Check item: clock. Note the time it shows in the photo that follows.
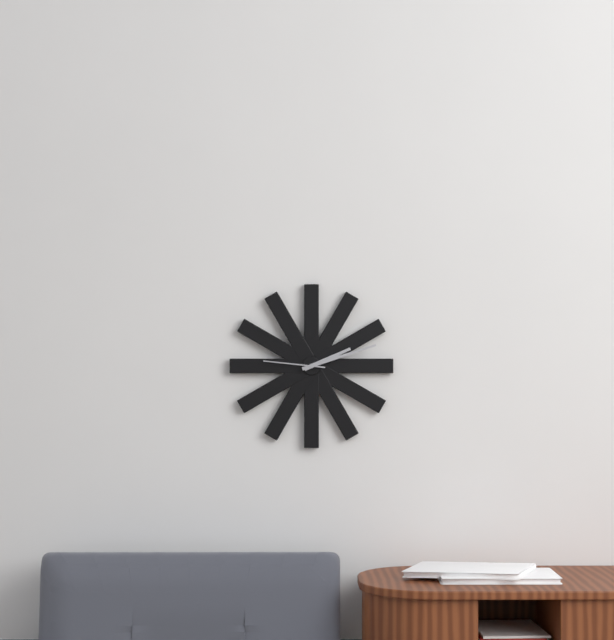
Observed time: 2:12:46
